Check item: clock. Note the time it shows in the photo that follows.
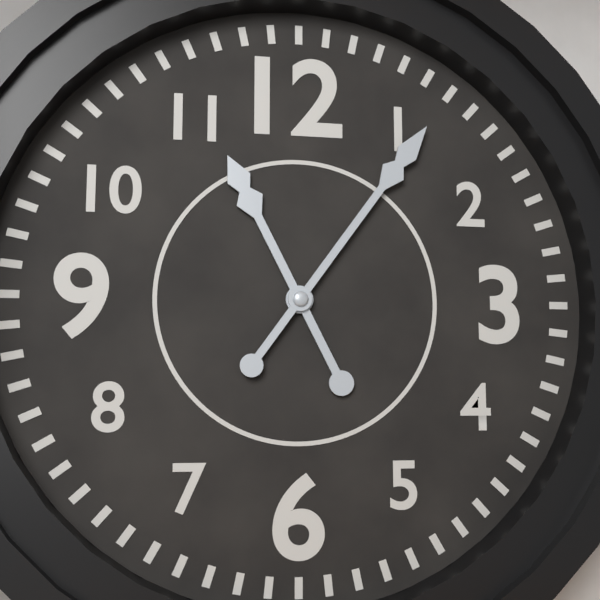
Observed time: 11:06
